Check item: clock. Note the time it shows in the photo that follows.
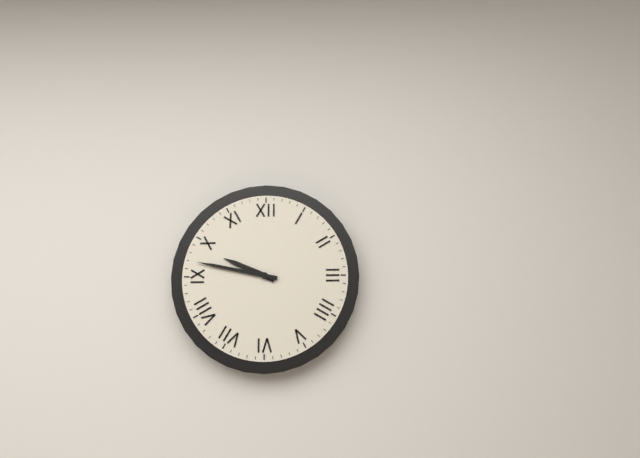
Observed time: 9:47
